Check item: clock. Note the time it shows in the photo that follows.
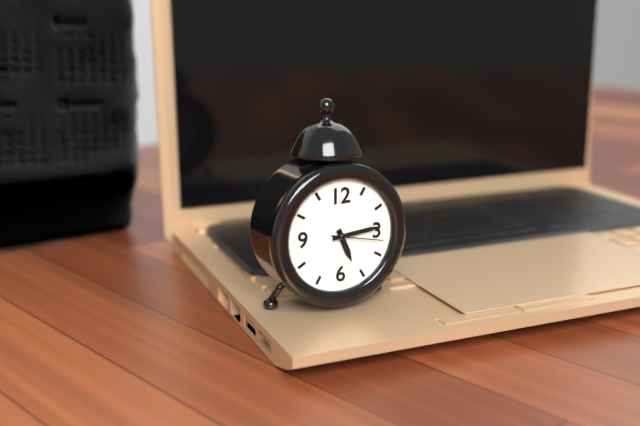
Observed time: 5:14:17
